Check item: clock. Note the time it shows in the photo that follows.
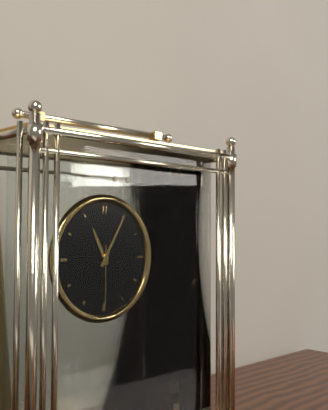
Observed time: 11:05:30
